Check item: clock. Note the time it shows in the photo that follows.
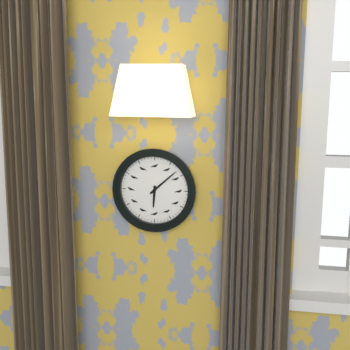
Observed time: 6:08
